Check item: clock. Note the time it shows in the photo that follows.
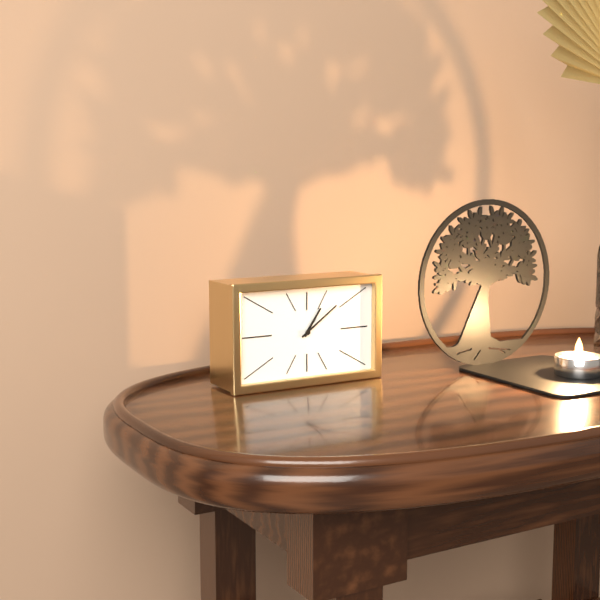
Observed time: 1:09
